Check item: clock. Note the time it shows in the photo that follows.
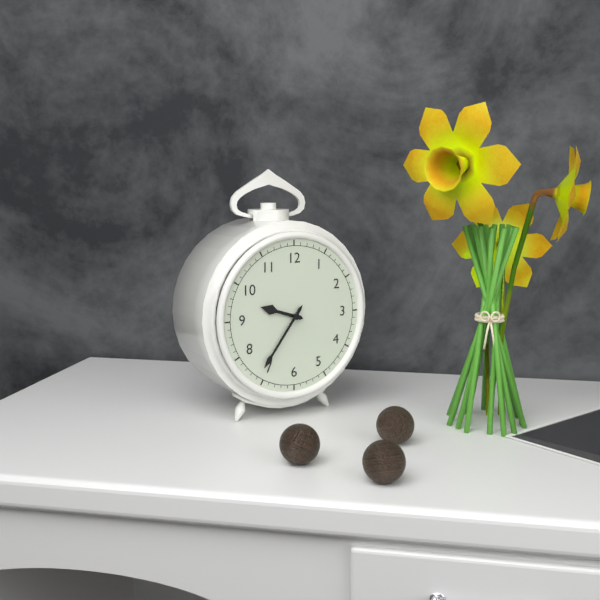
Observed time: 9:36
